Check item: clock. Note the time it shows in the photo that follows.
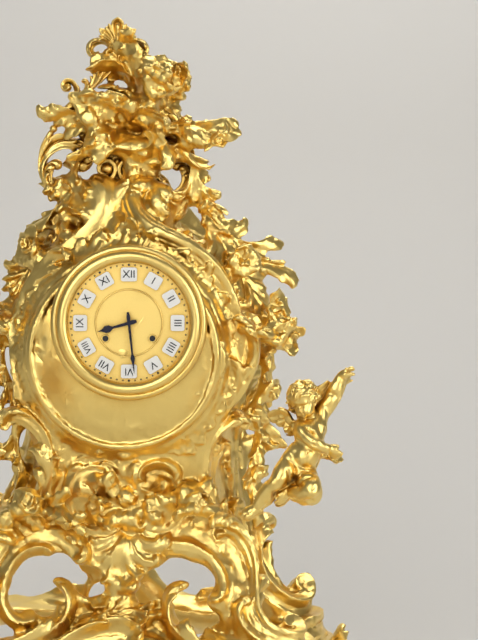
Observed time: 8:29
